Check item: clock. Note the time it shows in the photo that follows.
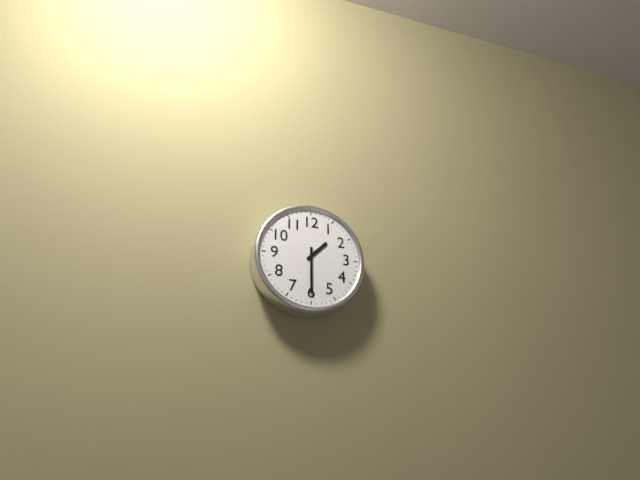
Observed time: 1:30
